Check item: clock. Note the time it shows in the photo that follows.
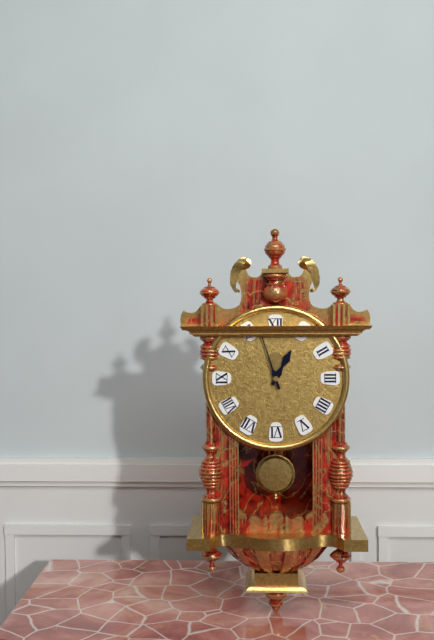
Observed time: 12:57
